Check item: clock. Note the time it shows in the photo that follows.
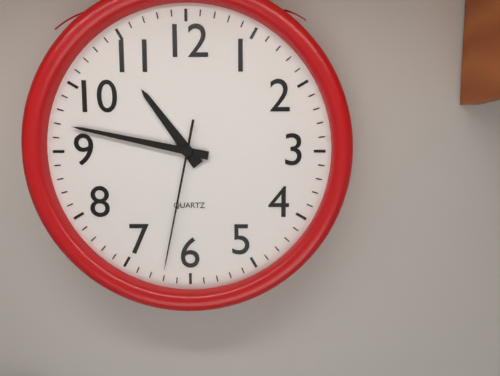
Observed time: 10:47:32
